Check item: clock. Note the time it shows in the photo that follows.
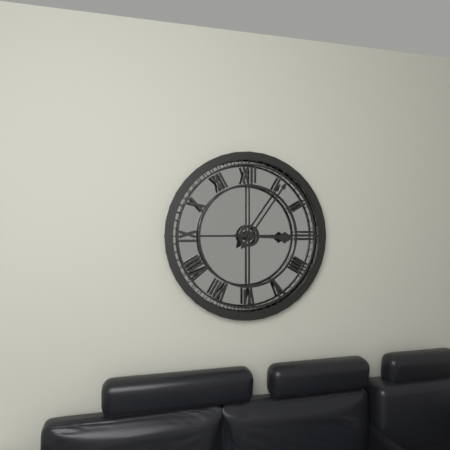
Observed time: 3:06
